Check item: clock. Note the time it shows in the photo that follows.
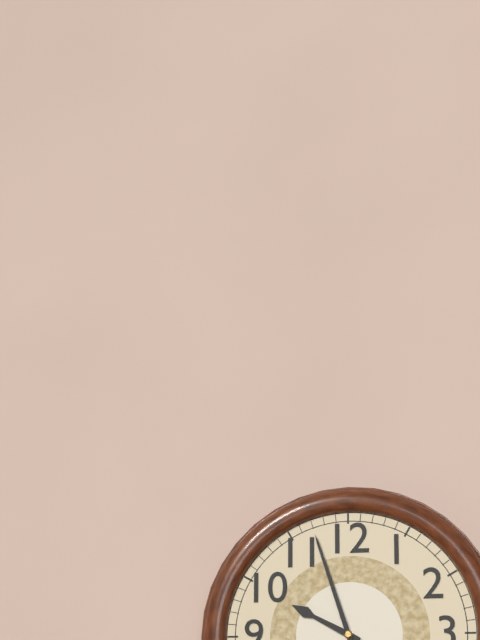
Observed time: 9:57
